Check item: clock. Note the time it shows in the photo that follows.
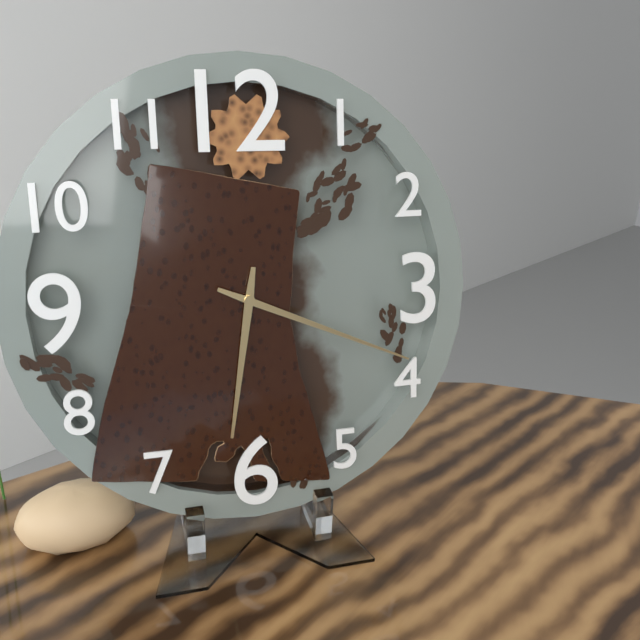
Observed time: 6:19
